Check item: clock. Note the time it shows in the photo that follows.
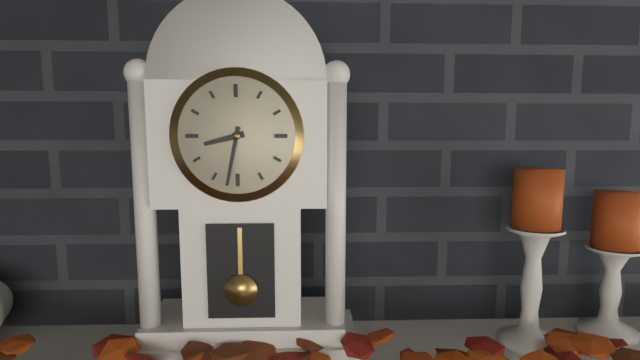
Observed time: 8:32
